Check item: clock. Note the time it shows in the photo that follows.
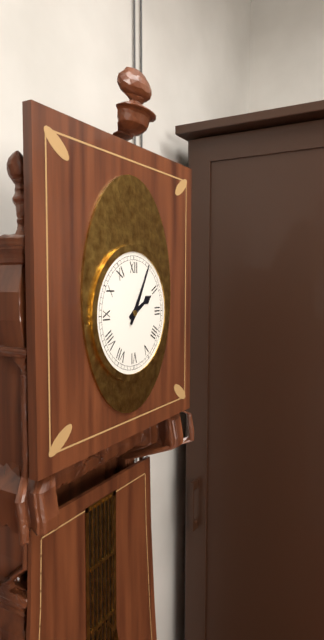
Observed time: 2:05
